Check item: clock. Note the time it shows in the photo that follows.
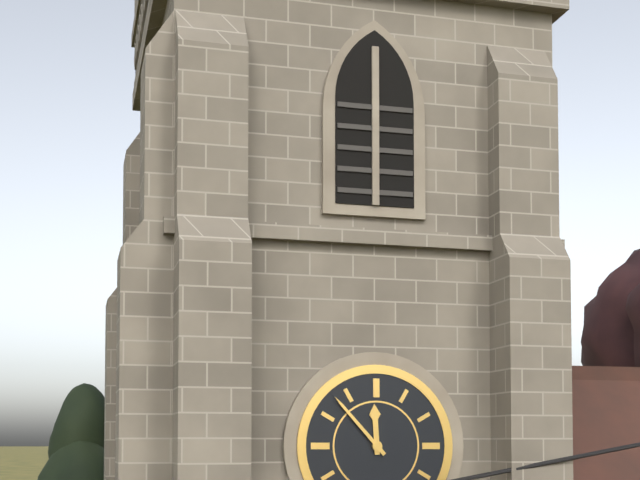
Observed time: 11:53
